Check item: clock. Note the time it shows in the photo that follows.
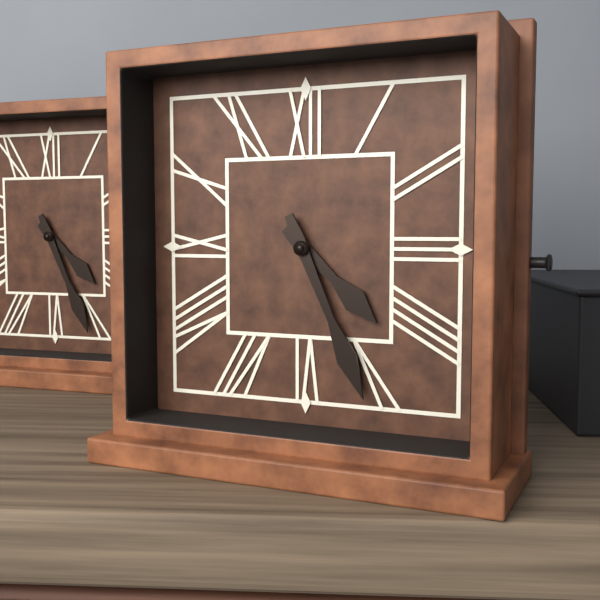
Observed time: 4:26
